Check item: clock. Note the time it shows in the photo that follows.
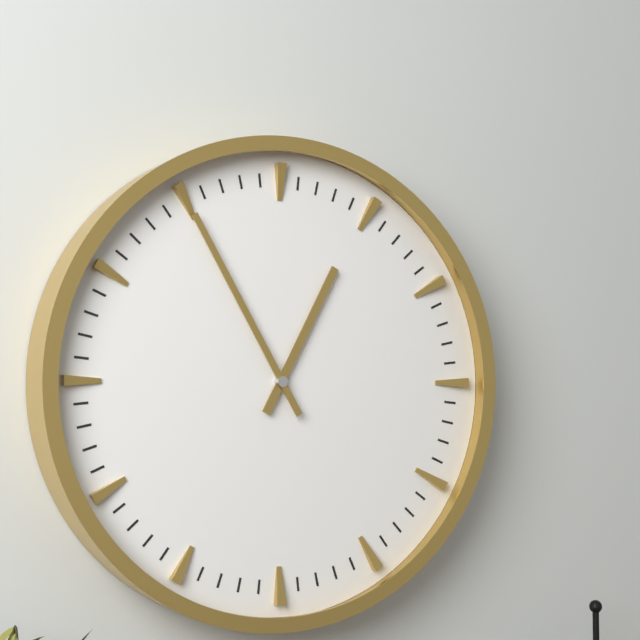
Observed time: 12:55
